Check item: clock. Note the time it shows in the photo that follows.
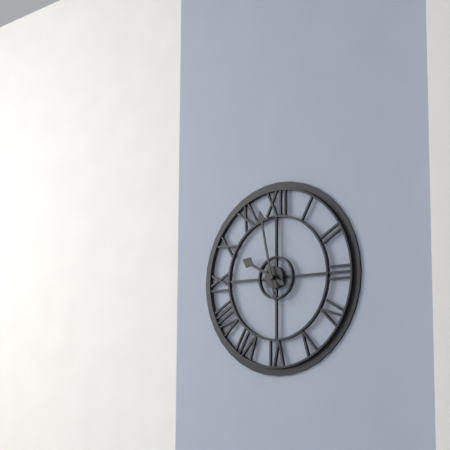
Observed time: 9:58
